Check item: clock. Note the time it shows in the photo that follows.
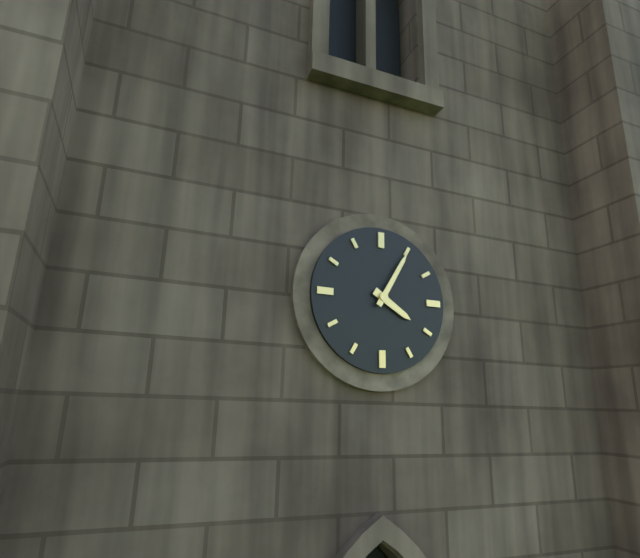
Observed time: 4:05
